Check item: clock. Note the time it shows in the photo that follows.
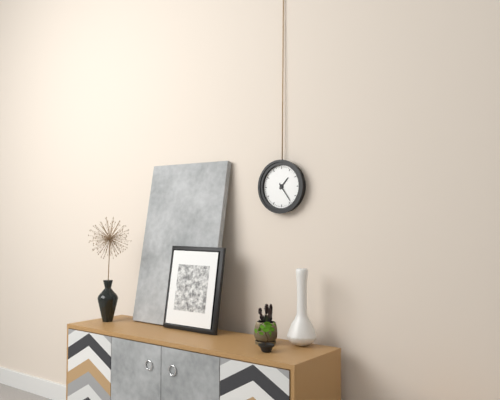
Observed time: 1:24
